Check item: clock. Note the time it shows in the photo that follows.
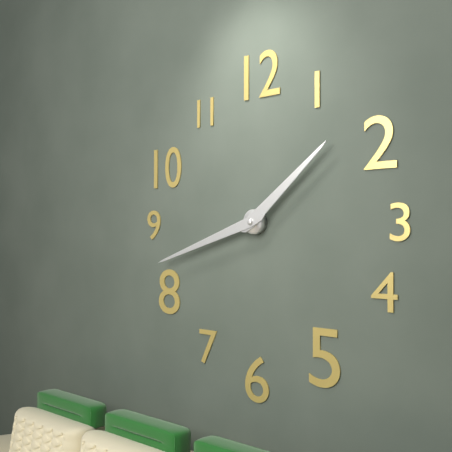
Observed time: 1:42
